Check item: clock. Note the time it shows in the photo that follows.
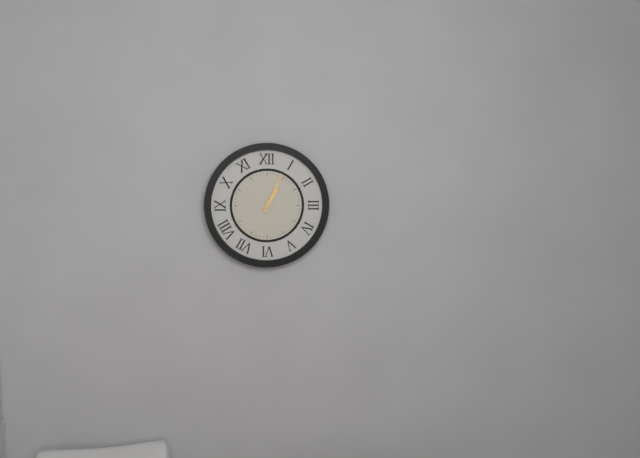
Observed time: 1:04
